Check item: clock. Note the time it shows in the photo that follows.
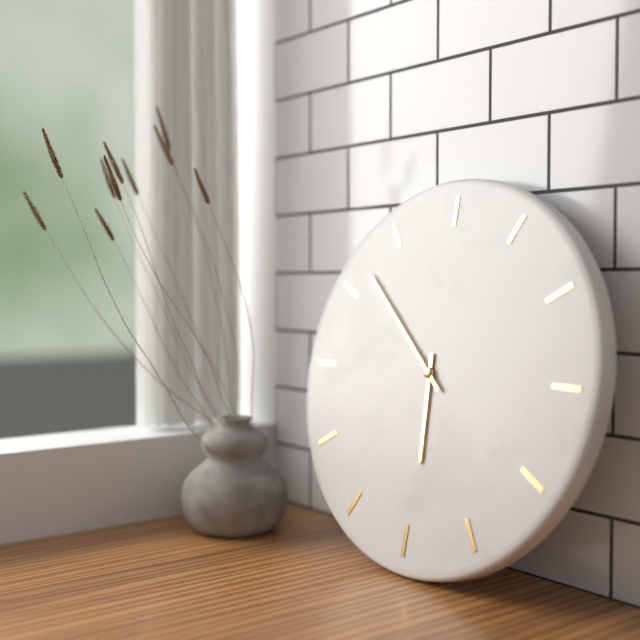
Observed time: 5:52
